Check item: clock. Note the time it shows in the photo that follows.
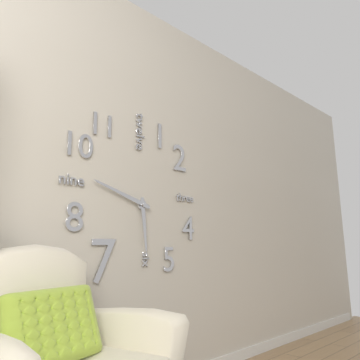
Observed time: 5:48
